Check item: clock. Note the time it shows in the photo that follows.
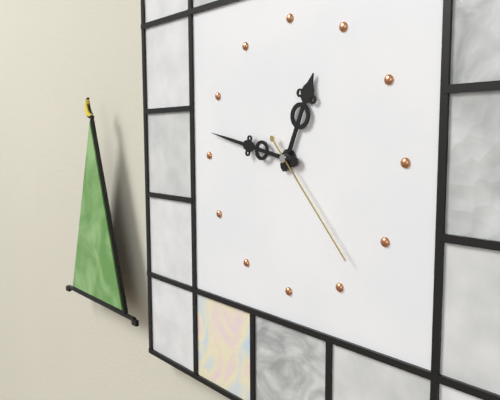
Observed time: 12:47:23
